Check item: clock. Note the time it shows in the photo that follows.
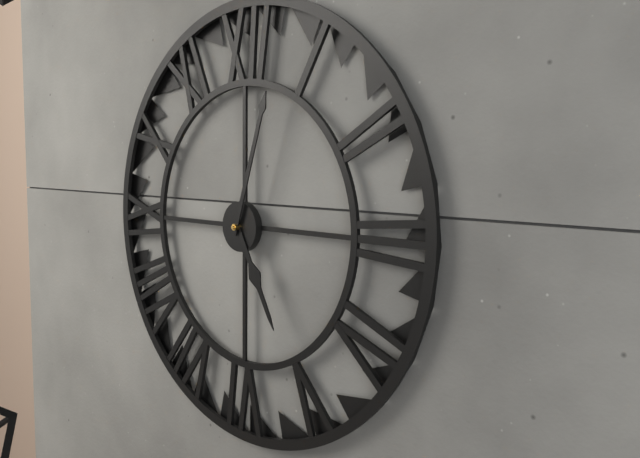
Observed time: 5:03
